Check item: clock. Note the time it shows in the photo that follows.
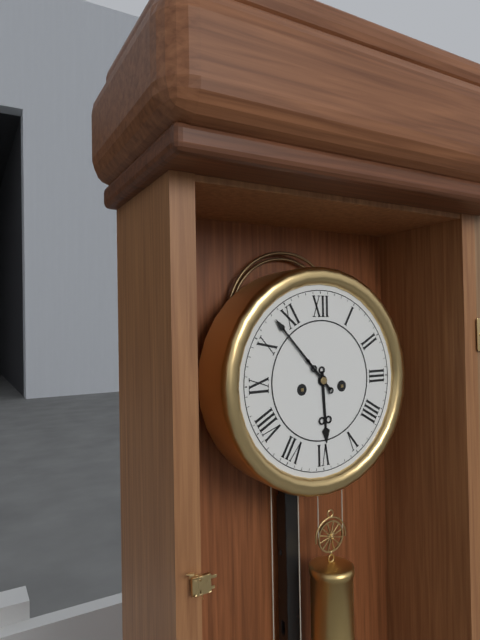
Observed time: 5:53
